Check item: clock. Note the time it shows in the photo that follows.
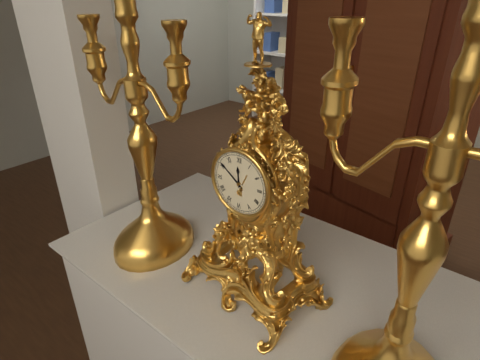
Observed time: 11:51
